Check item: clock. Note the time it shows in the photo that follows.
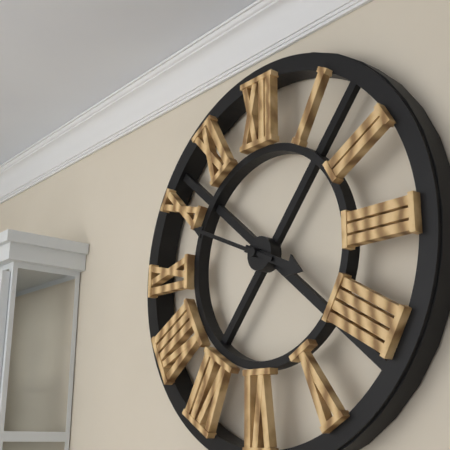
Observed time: 3:49
